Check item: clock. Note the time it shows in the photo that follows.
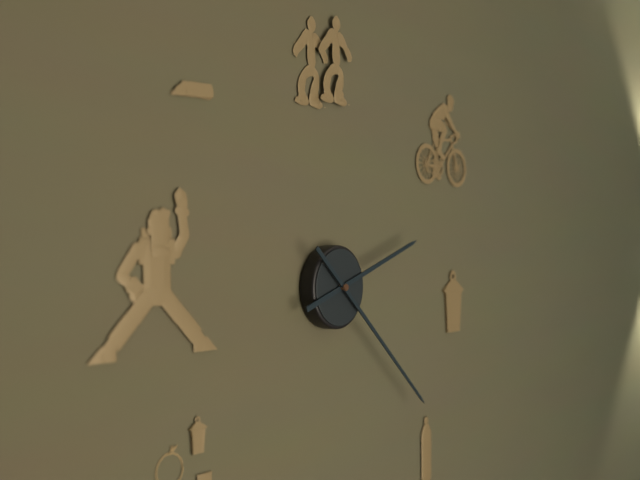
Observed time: 2:22
